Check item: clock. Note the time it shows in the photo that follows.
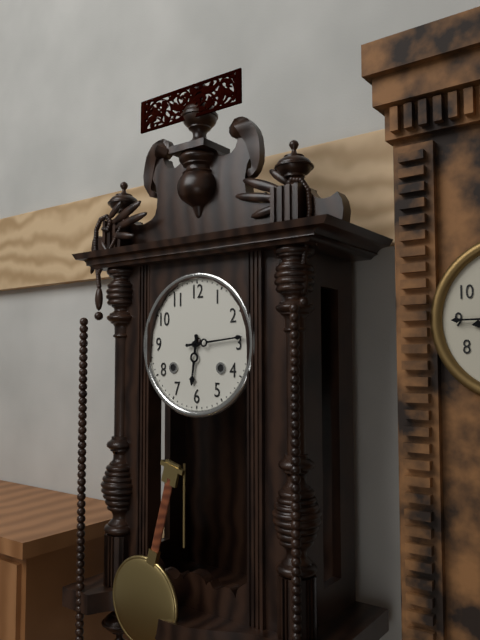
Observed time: 6:14
